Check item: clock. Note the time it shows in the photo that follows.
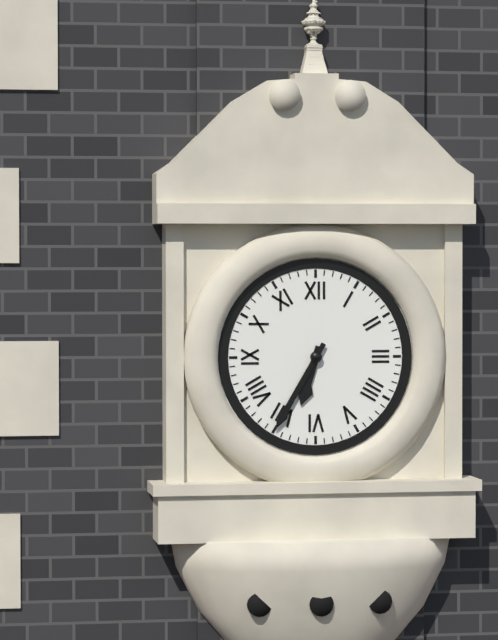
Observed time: 6:35
